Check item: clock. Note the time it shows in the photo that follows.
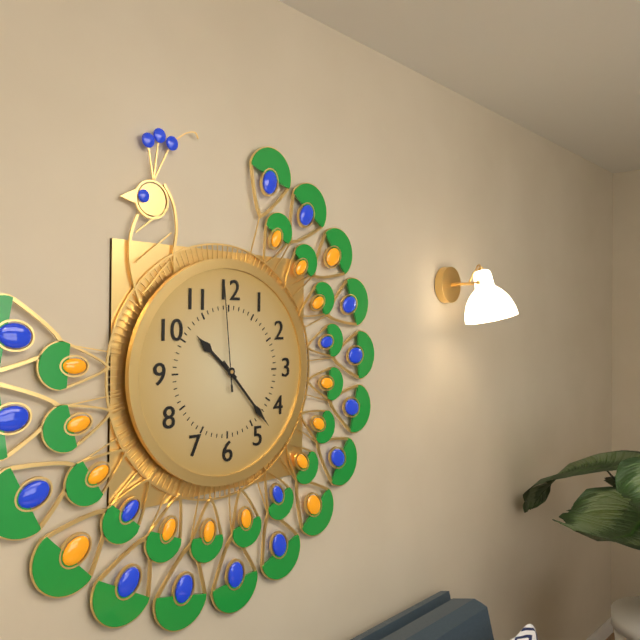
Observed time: 10:23:59
